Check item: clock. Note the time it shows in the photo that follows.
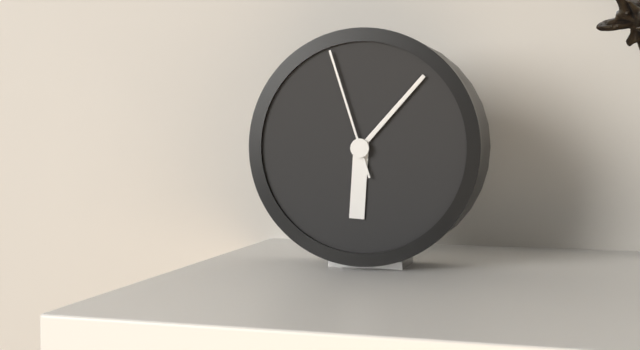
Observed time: 6:07:57
